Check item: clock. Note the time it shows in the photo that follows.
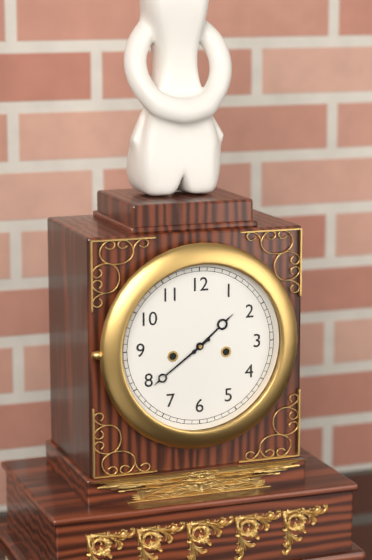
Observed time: 1:39
